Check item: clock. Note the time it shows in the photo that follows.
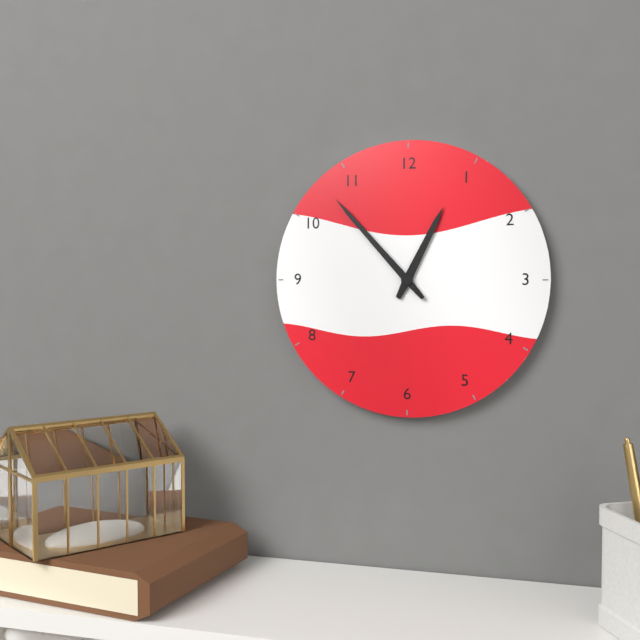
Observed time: 12:53
